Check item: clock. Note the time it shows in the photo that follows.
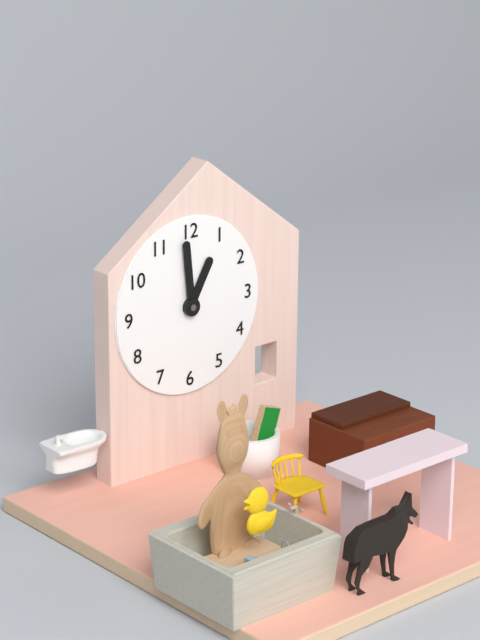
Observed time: 12:59
